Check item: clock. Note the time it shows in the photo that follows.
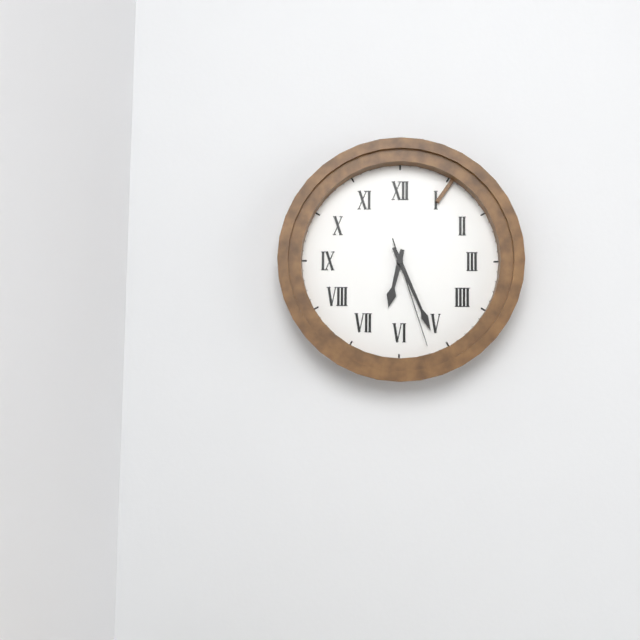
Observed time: 6:26:27
